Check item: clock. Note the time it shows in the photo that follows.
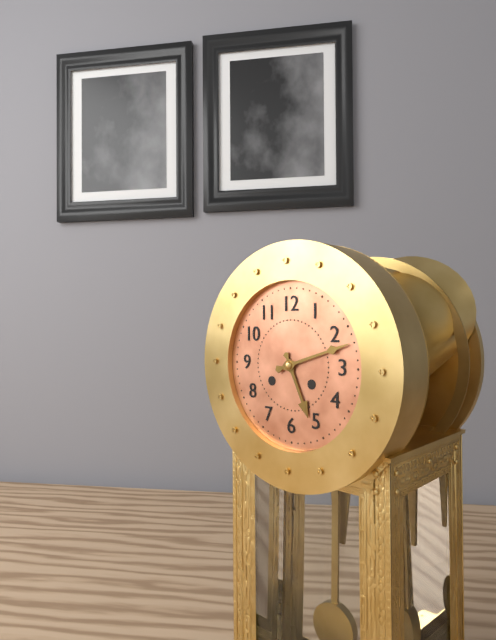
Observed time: 5:12
